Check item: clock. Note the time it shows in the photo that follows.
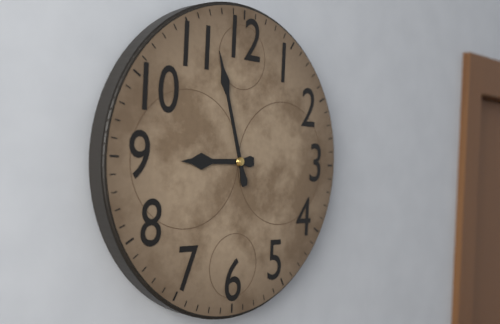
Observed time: 8:57
